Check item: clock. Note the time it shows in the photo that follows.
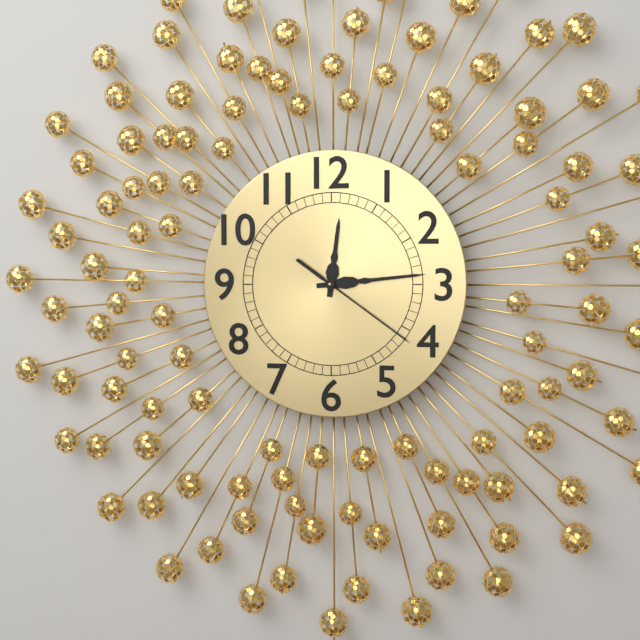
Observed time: 12:14:21
